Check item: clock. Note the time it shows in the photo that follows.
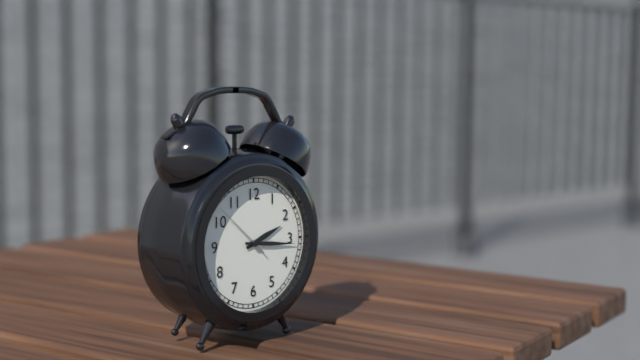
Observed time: 2:16:52
